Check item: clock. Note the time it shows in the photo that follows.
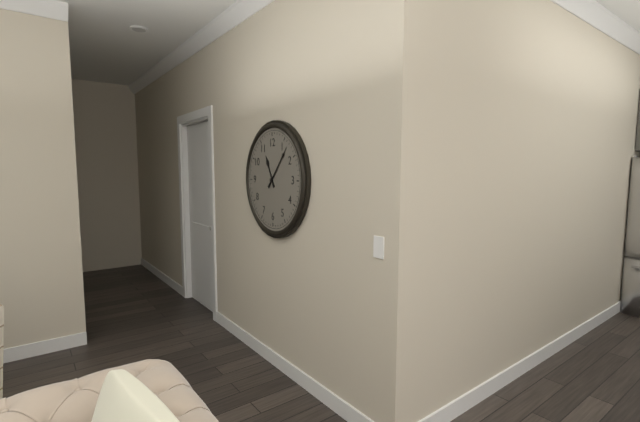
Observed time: 11:07
